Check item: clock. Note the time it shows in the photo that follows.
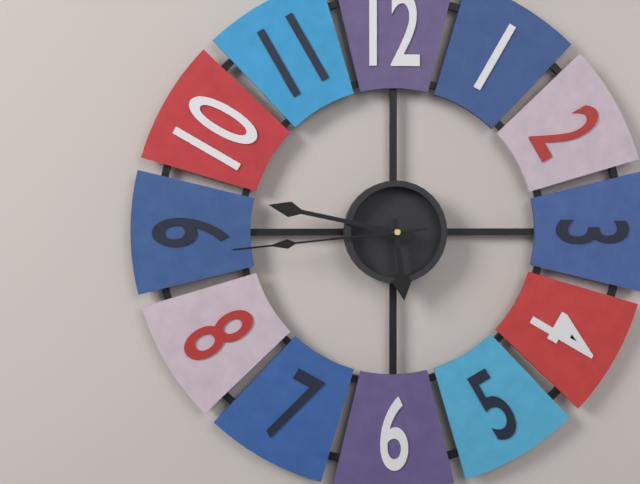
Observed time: 5:47:44
